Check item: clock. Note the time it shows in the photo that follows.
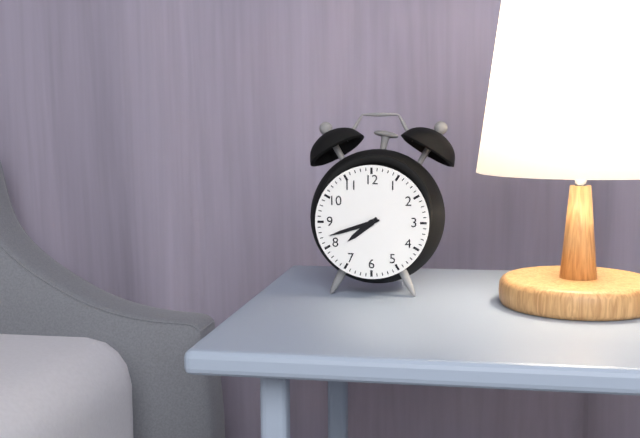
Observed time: 7:42
